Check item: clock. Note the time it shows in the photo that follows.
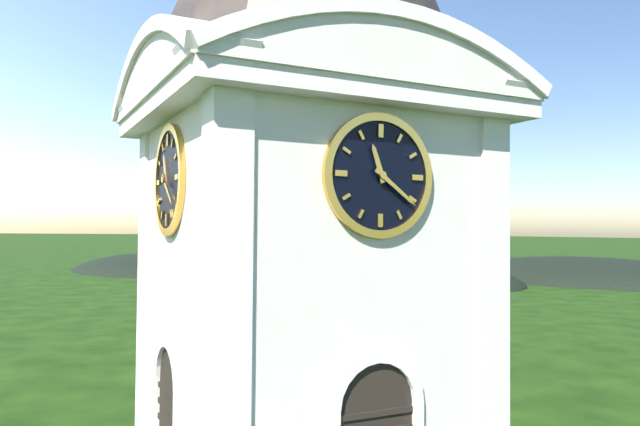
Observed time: 11:21
